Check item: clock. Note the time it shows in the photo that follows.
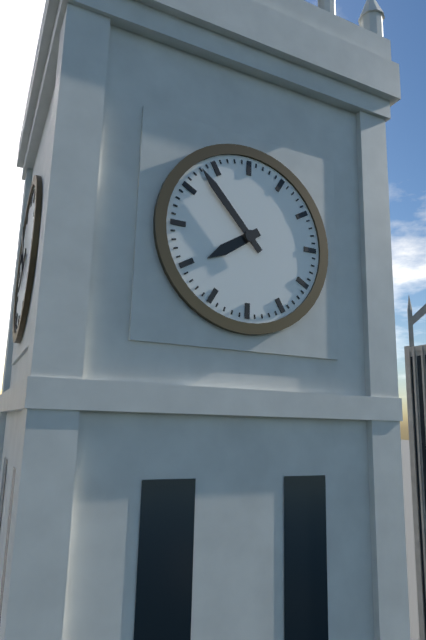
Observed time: 7:53
